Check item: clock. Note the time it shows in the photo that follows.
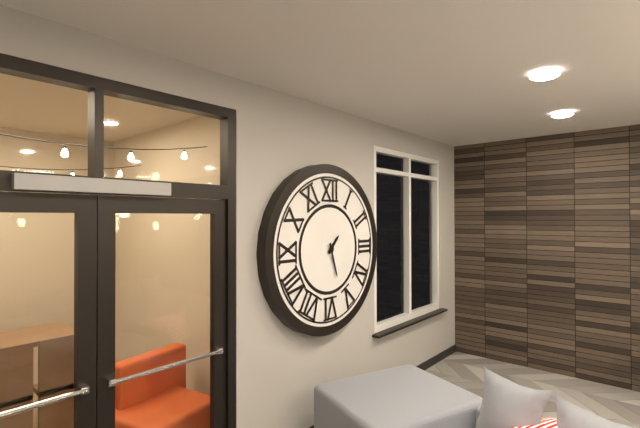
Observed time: 1:27
